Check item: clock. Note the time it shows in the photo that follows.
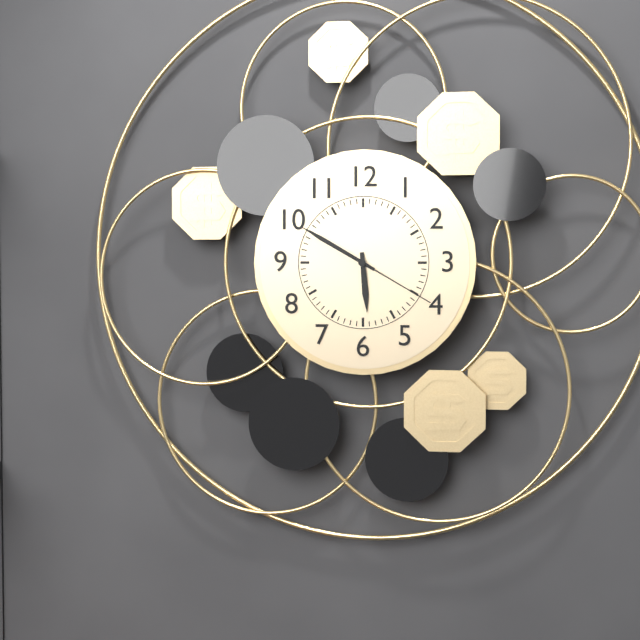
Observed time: 5:50:20
